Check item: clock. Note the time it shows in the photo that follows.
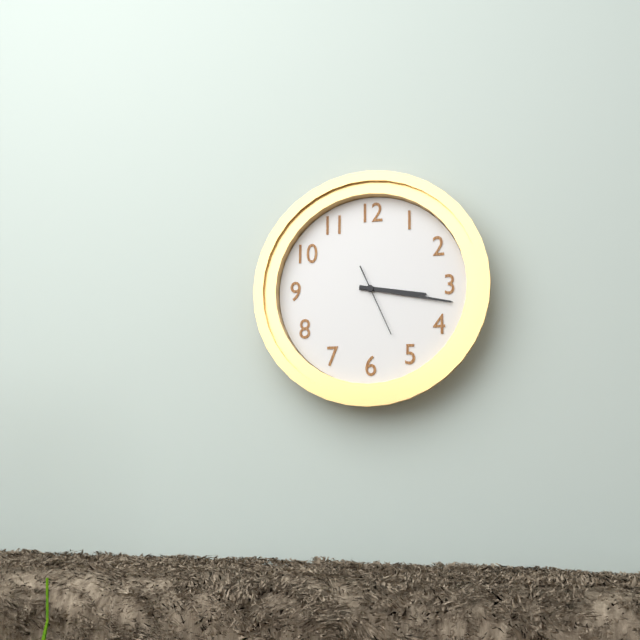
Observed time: 3:17:26
